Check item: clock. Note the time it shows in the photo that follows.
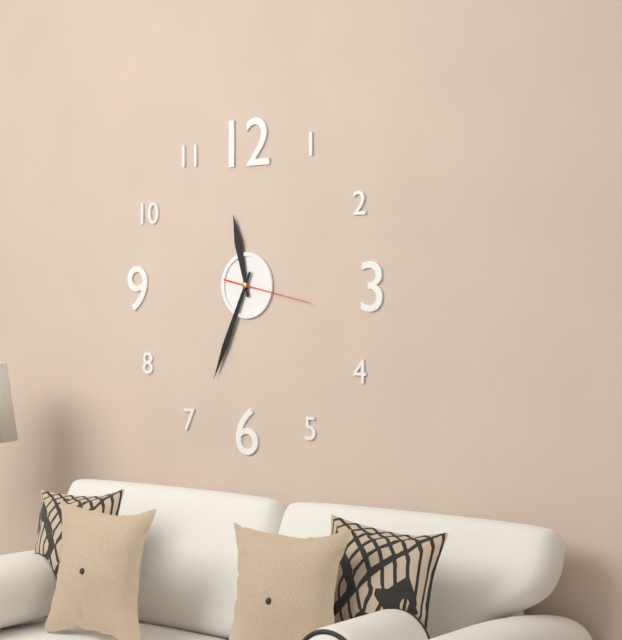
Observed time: 11:34:17
